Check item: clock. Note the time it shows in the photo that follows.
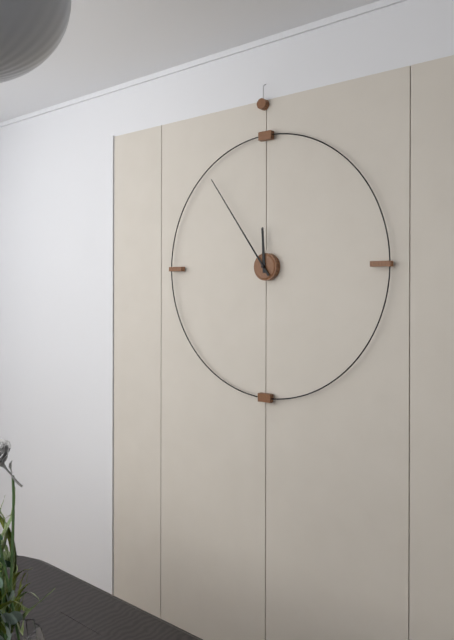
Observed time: 11:54
